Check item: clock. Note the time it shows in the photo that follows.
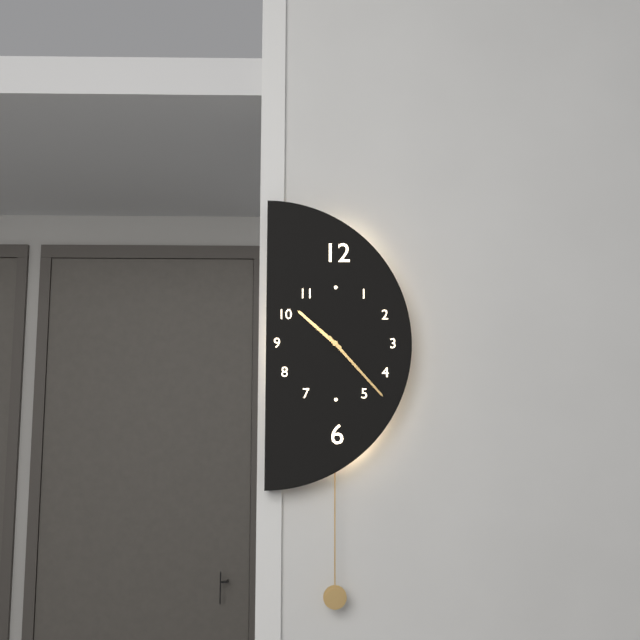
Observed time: 10:23
